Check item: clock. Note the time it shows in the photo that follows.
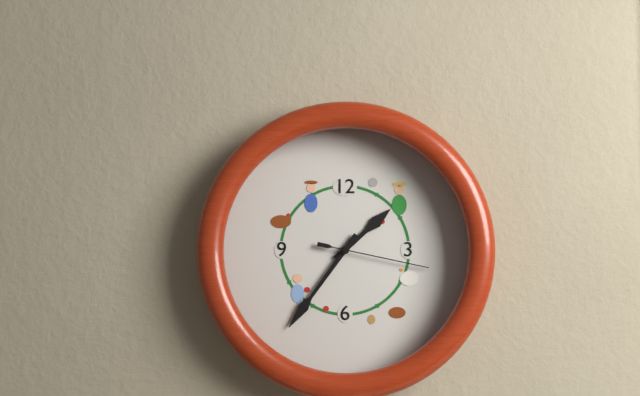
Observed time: 1:36:17
